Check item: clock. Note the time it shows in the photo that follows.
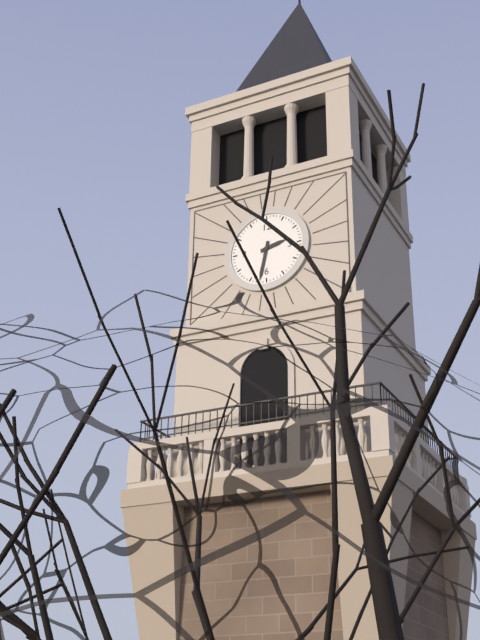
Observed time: 2:32
